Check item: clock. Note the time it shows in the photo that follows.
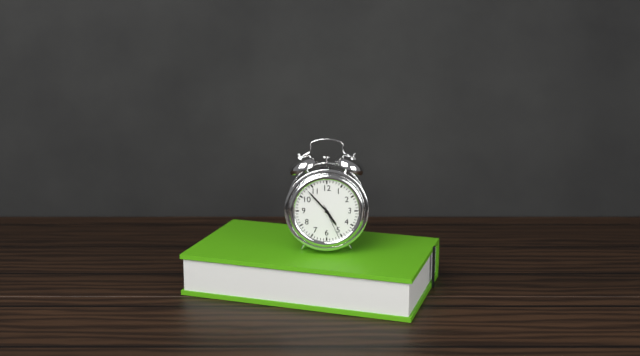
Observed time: 4:53
